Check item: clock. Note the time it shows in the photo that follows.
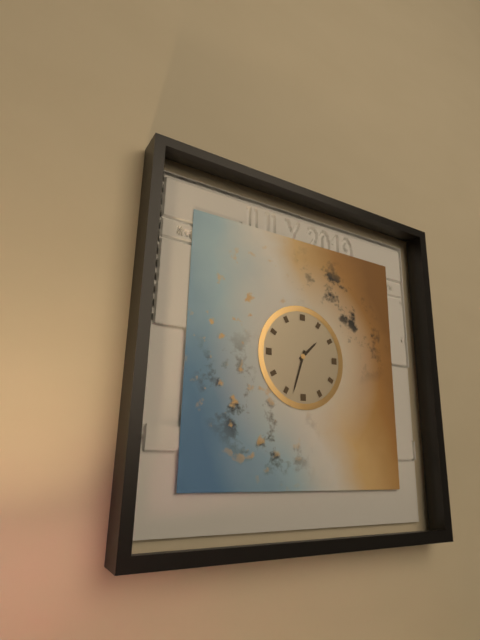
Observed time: 1:33
